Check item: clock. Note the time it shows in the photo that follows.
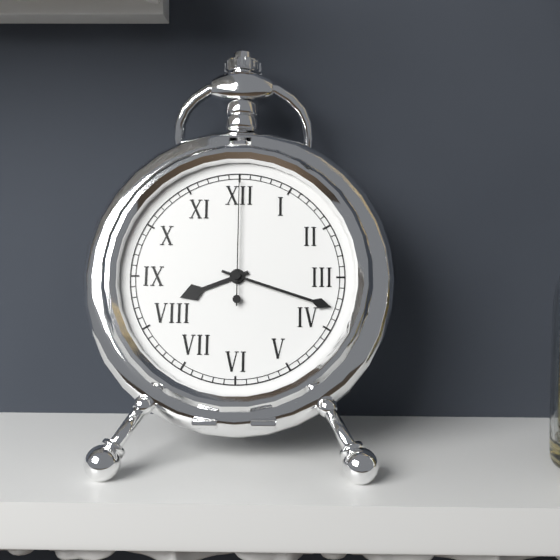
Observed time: 8:18:00
